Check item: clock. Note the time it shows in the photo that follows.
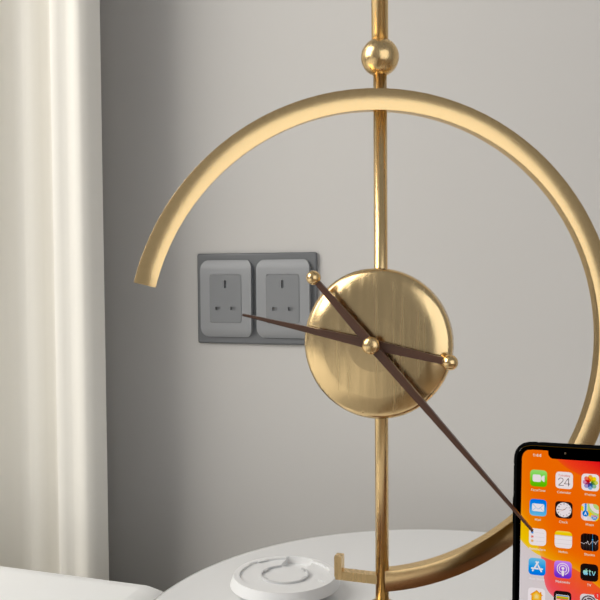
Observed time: 9:23
